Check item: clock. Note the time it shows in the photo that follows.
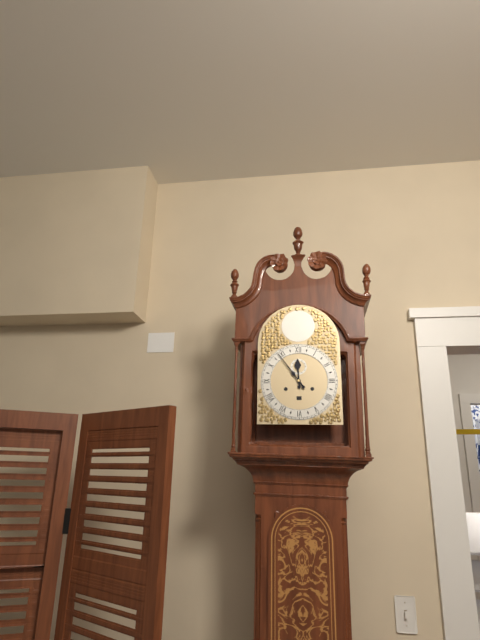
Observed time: 11:54
